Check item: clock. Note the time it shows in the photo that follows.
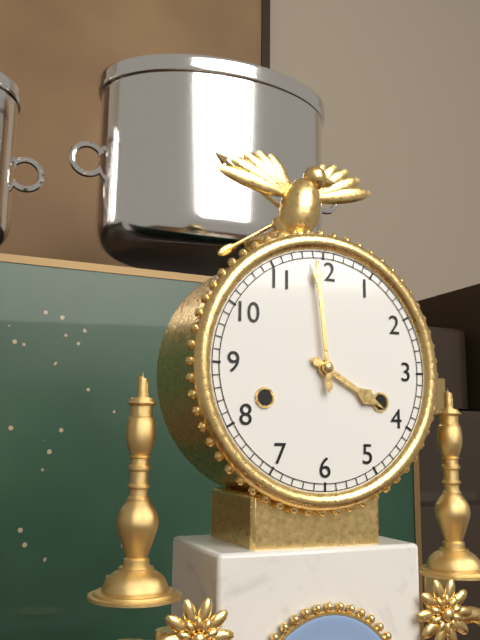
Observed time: 3:59
